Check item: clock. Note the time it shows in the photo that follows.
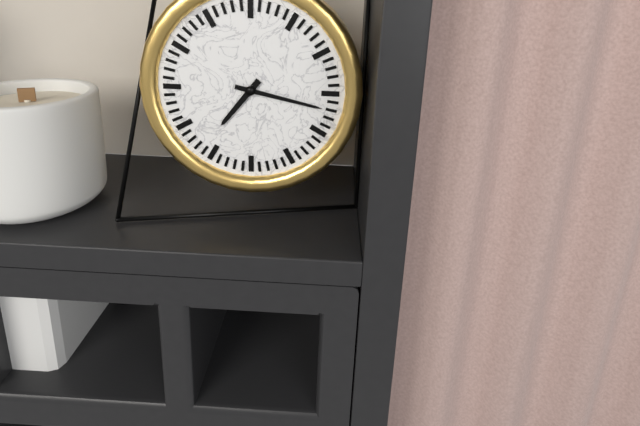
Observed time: 7:17
